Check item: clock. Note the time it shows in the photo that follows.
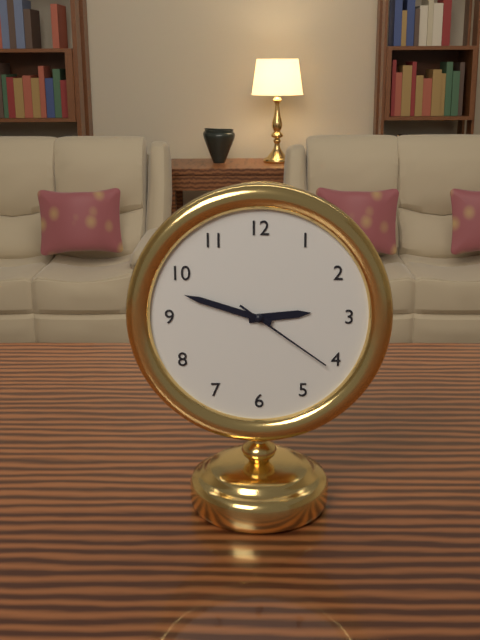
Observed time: 2:48:21
